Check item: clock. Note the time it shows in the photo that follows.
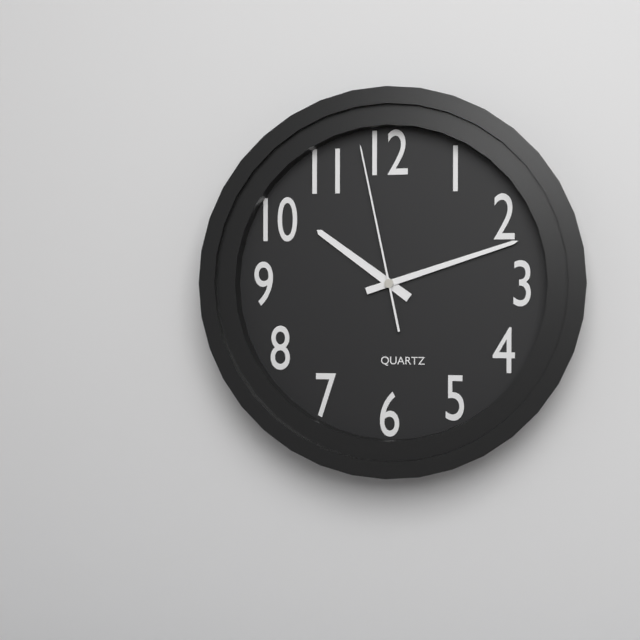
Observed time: 10:12:58
